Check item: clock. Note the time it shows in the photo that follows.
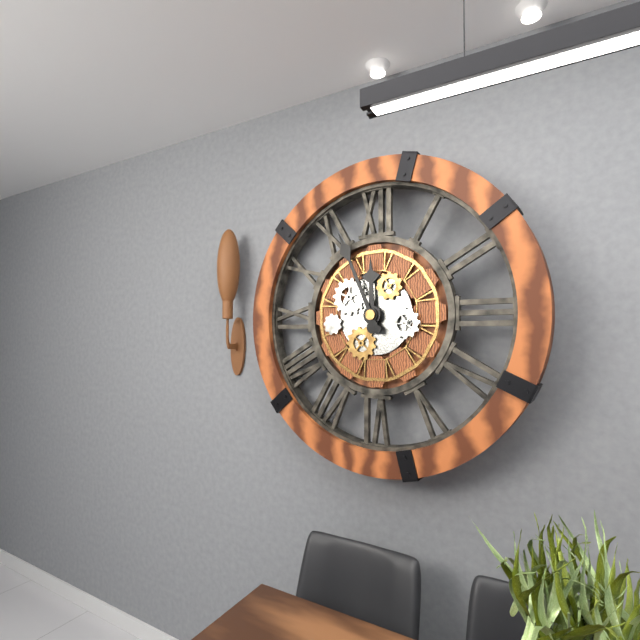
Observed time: 11:56
